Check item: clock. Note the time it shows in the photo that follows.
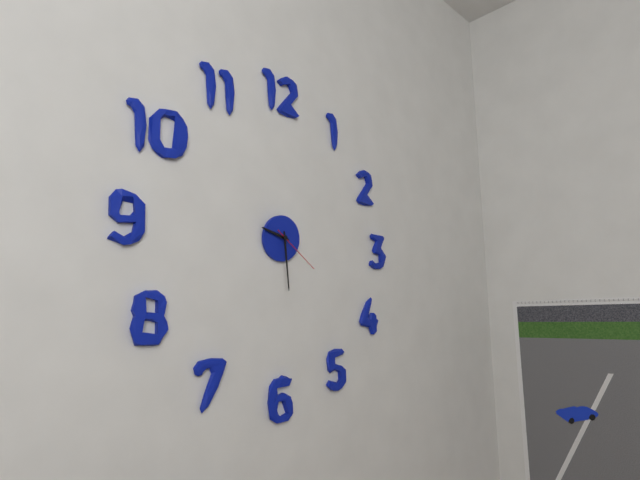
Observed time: 9:29:21
